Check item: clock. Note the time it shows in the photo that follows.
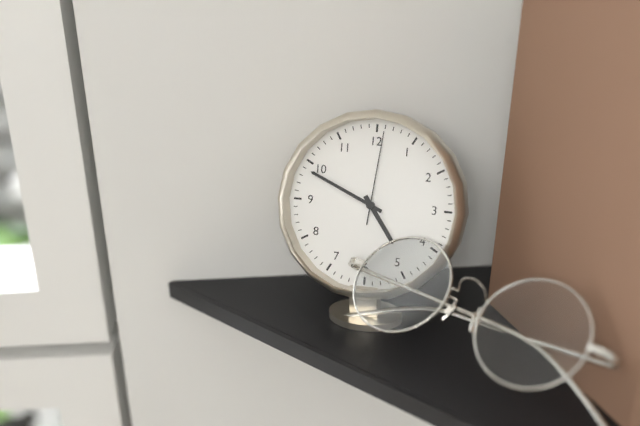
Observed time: 4:49:01
